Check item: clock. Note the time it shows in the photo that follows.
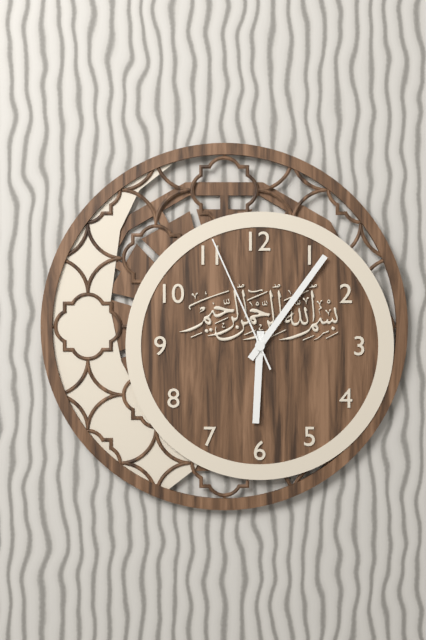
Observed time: 6:06:56
